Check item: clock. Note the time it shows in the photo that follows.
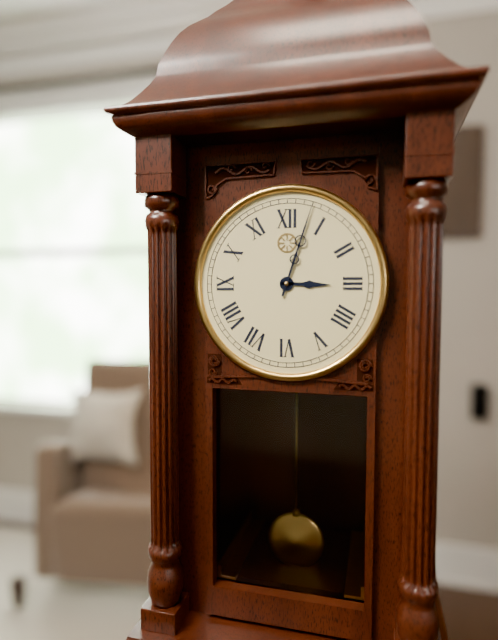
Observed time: 3:03
